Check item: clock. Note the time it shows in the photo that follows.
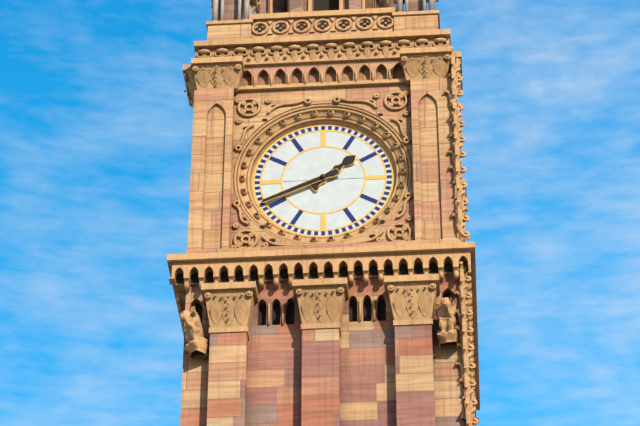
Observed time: 1:41
